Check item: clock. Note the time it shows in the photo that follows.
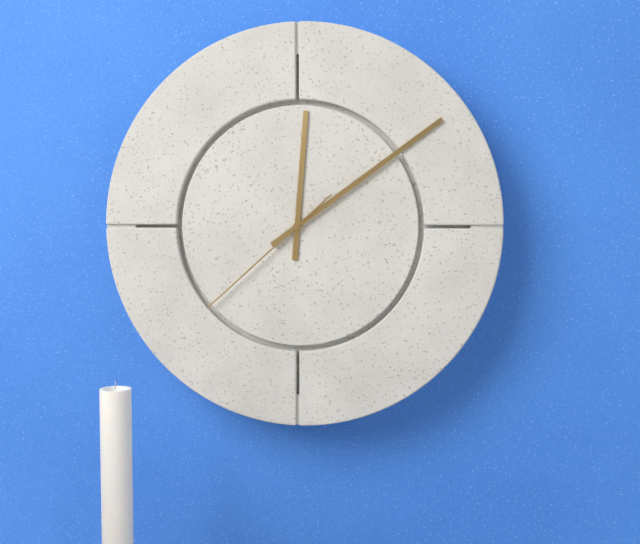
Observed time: 12:09:38
